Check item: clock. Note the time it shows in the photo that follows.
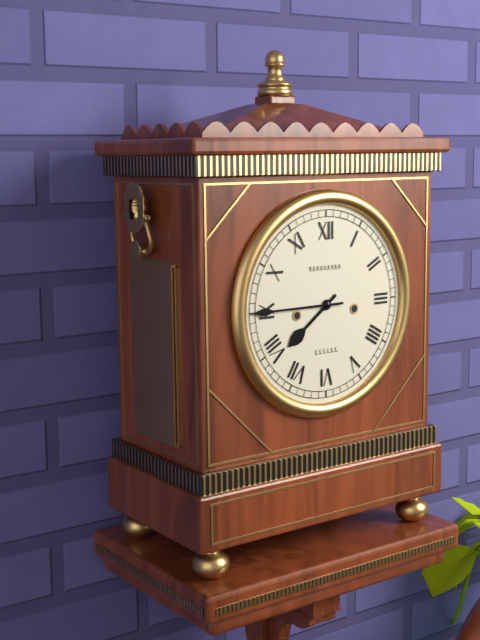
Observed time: 7:45
